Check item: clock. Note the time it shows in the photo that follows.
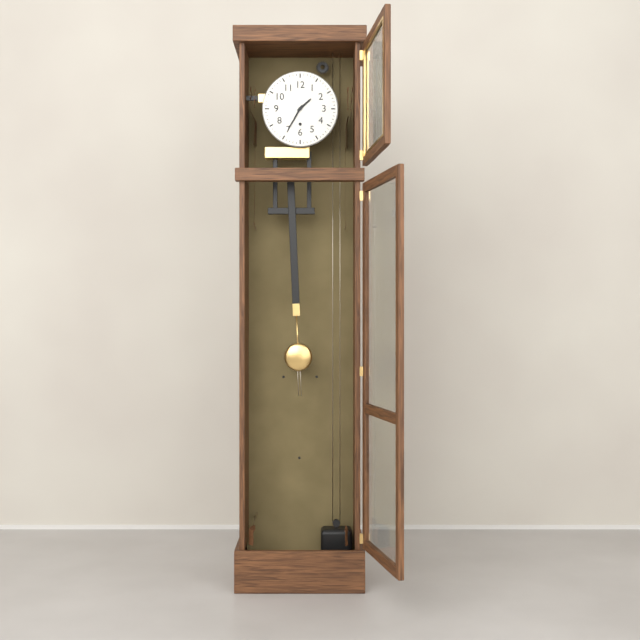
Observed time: 1:35
